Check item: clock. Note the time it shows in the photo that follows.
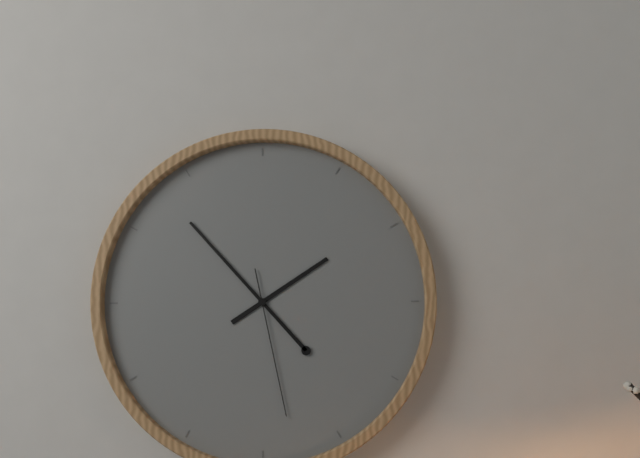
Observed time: 1:53:28
